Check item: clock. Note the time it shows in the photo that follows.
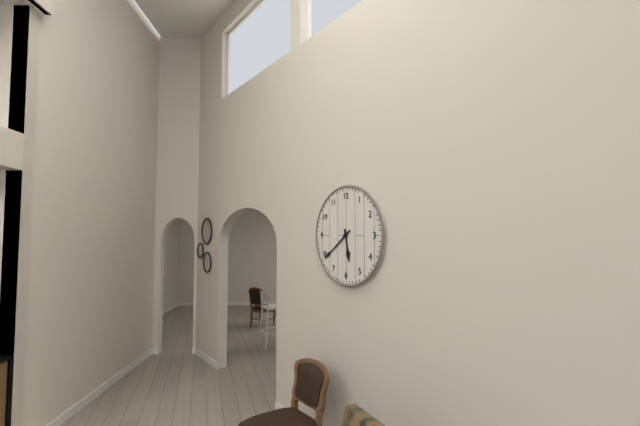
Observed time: 5:39
